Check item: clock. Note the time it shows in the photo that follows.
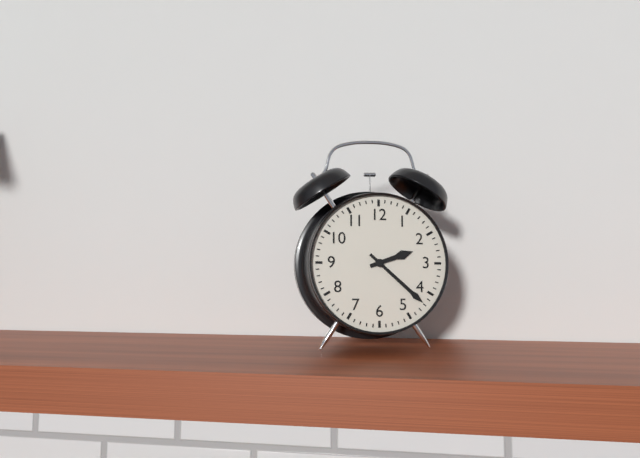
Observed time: 2:22
